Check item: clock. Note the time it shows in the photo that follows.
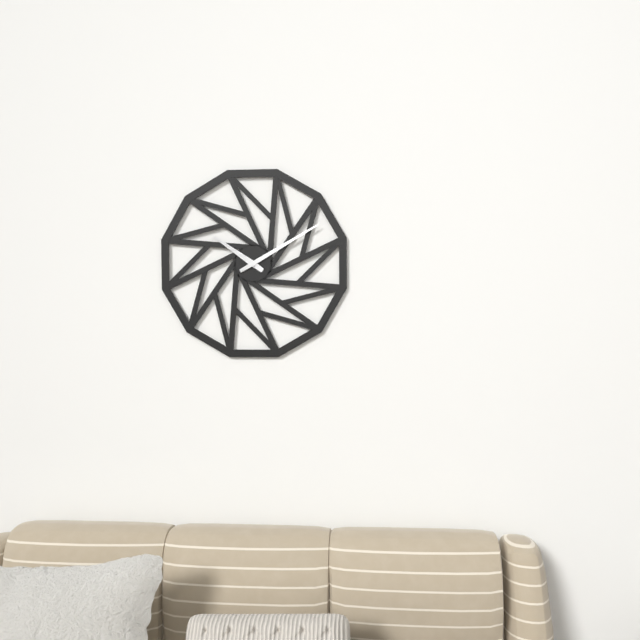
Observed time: 10:10
